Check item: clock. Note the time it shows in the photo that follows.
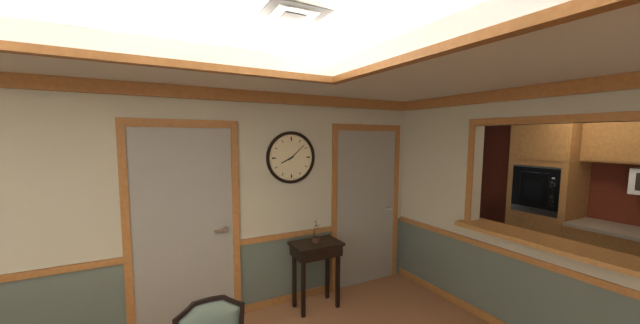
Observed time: 8:08
